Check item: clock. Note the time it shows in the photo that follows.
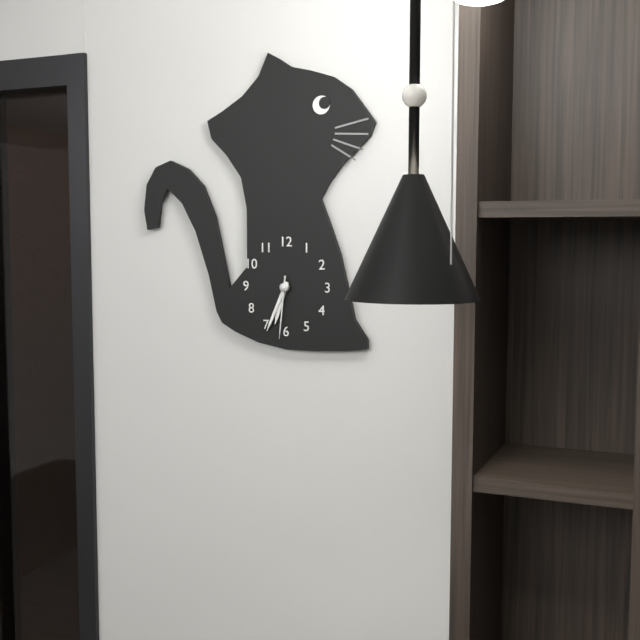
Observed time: 6:34:31
